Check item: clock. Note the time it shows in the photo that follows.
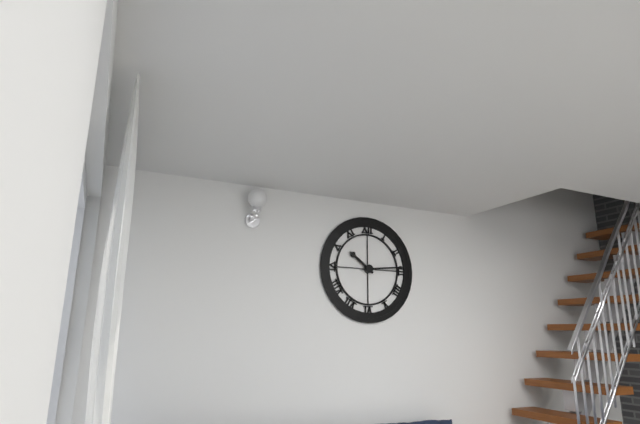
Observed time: 10:14
